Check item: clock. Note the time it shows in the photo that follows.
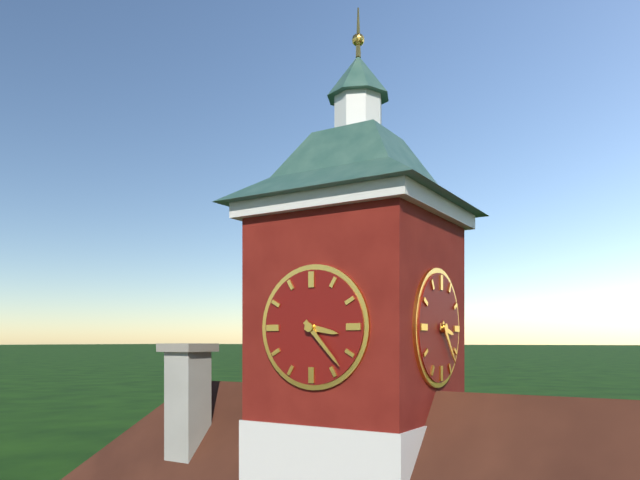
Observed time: 3:23
